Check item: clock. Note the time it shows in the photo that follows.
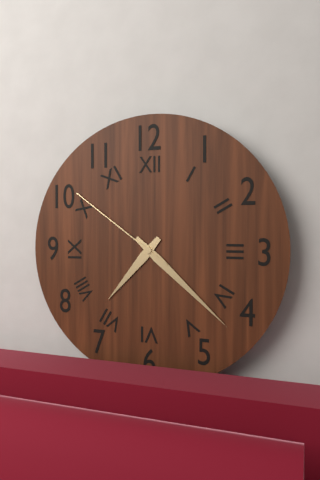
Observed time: 7:22:51
